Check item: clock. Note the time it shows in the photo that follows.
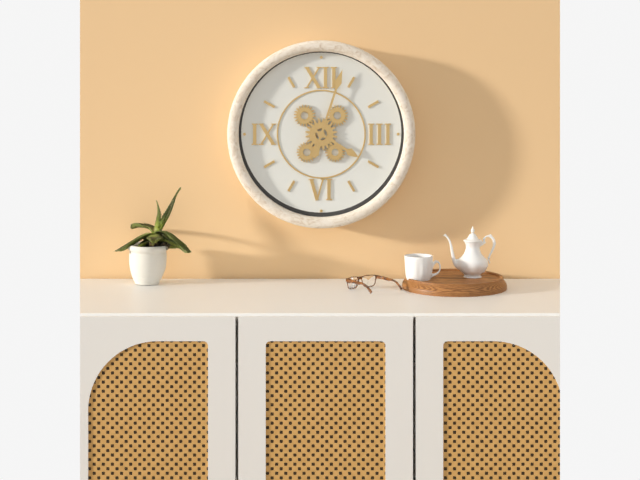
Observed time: 4:03
